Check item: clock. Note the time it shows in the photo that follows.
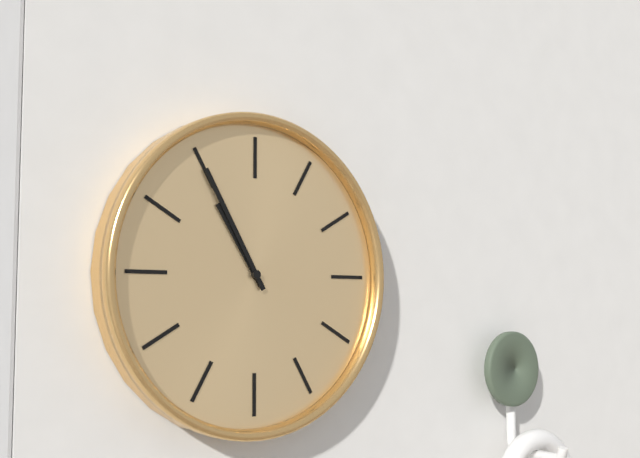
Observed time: 10:55
